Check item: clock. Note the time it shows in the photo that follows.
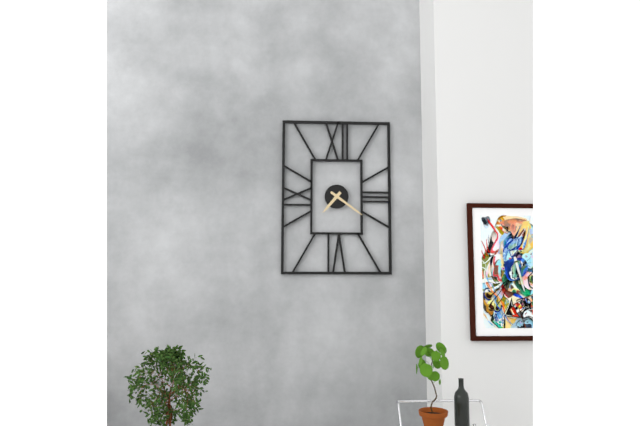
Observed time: 7:21
